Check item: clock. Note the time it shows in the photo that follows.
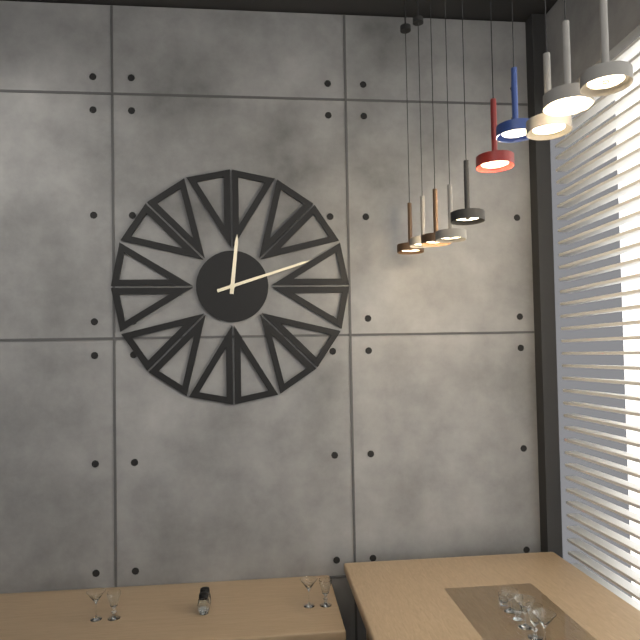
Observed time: 12:12
